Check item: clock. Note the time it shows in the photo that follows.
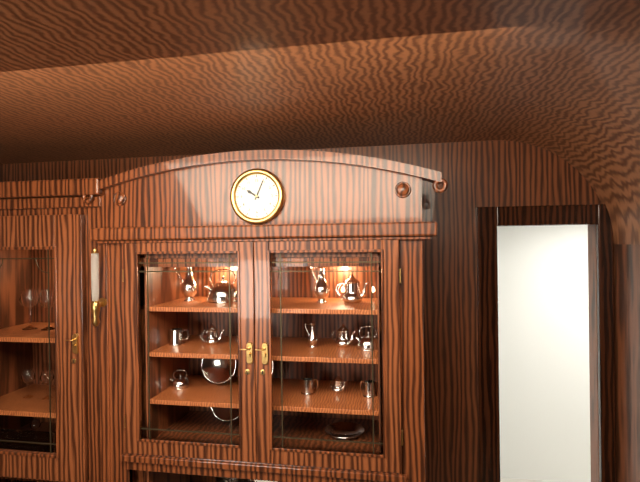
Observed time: 10:04
